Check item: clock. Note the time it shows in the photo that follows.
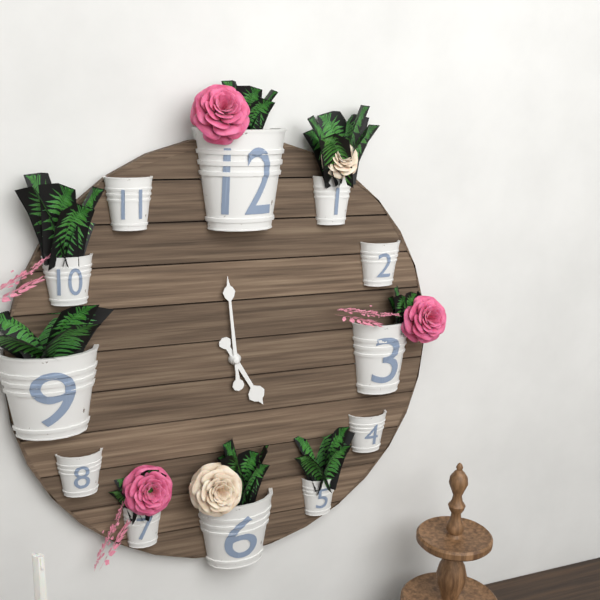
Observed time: 4:59
